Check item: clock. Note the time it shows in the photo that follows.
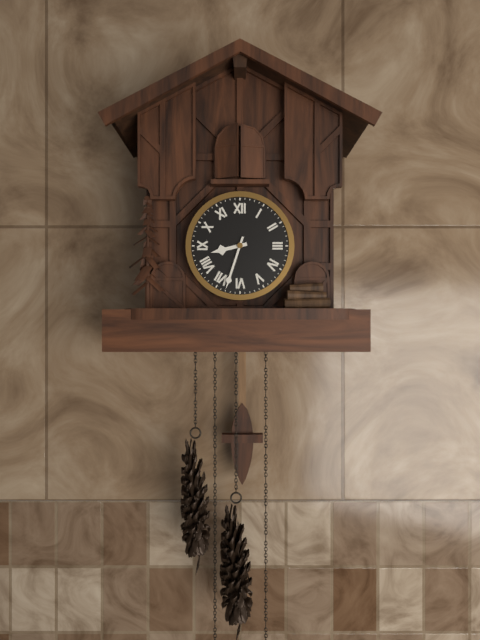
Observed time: 8:33
